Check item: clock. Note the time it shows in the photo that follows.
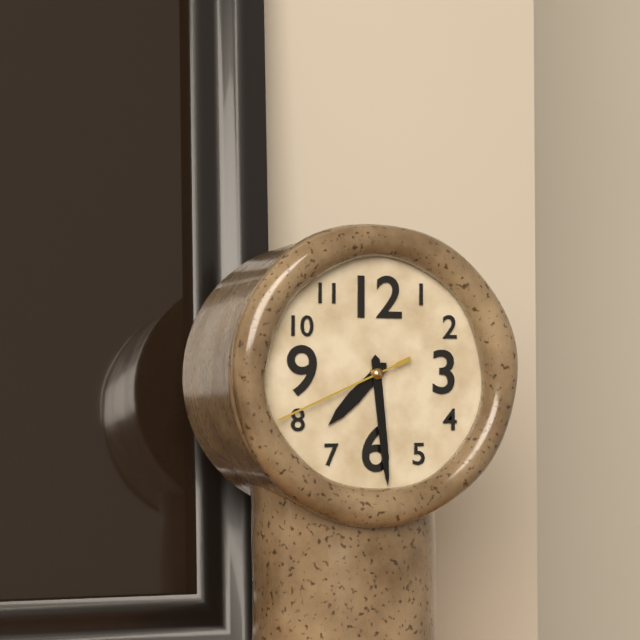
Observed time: 7:29:41
